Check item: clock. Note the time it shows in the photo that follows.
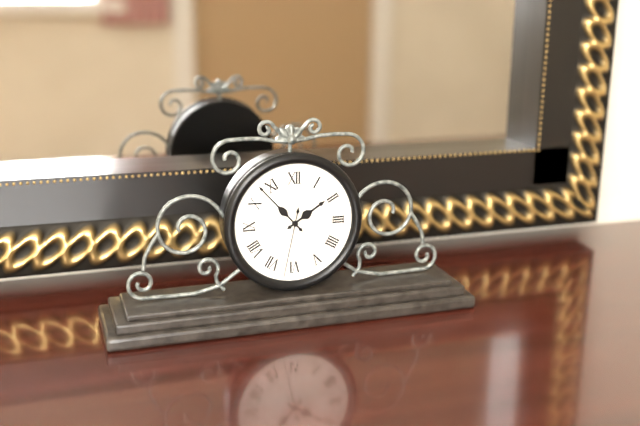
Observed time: 1:53:32
